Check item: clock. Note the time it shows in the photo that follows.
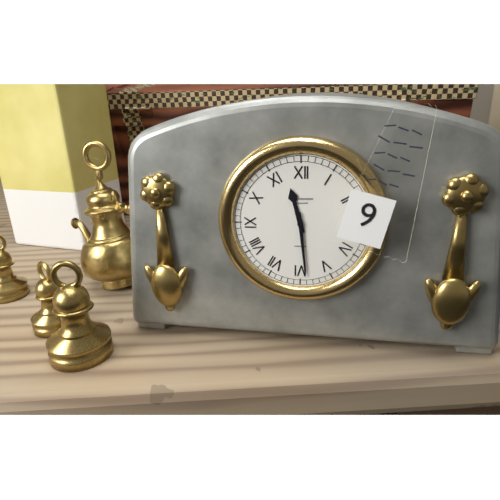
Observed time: 11:29
